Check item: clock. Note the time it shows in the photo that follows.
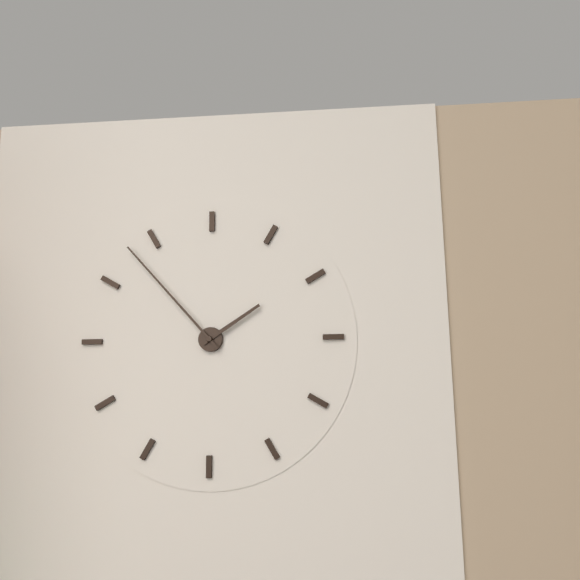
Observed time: 1:53
